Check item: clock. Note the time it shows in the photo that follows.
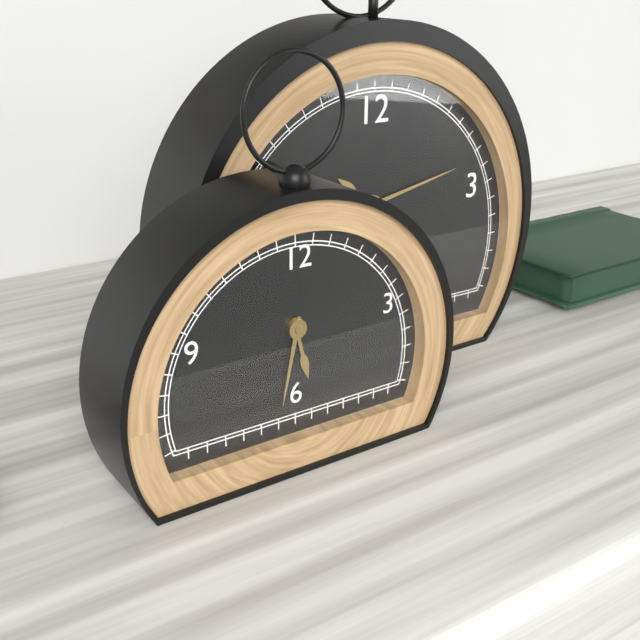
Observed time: 5:32
